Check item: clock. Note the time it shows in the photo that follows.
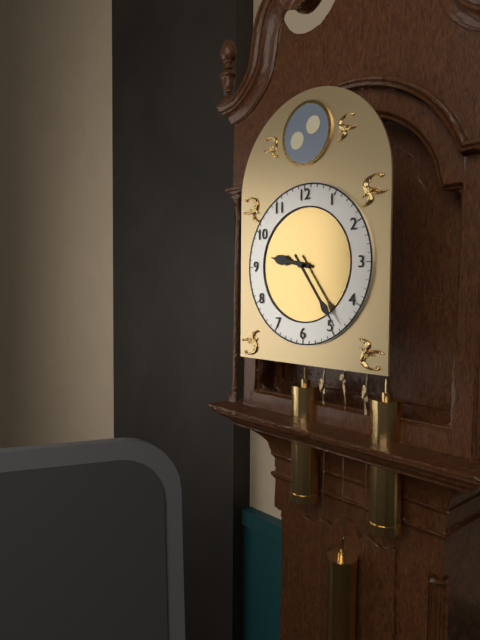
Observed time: 9:24
